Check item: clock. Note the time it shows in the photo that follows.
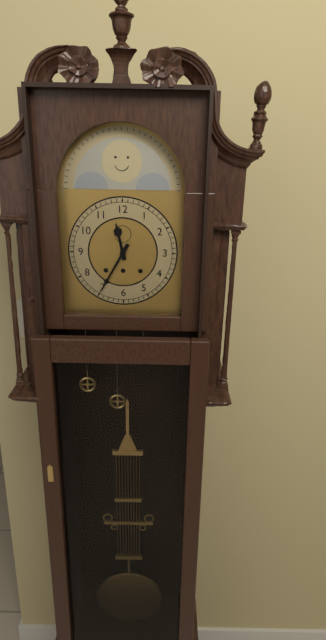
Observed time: 11:35
